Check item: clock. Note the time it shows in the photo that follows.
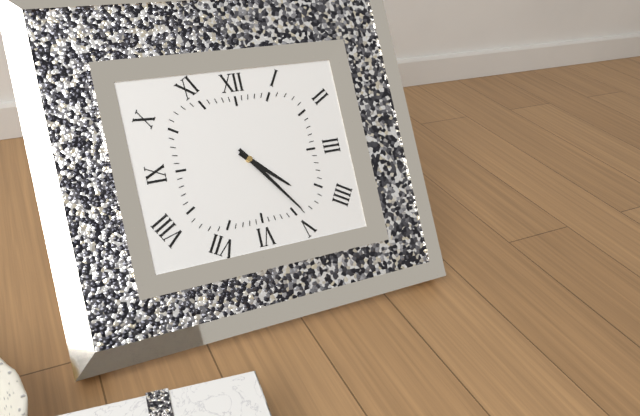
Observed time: 4:24
